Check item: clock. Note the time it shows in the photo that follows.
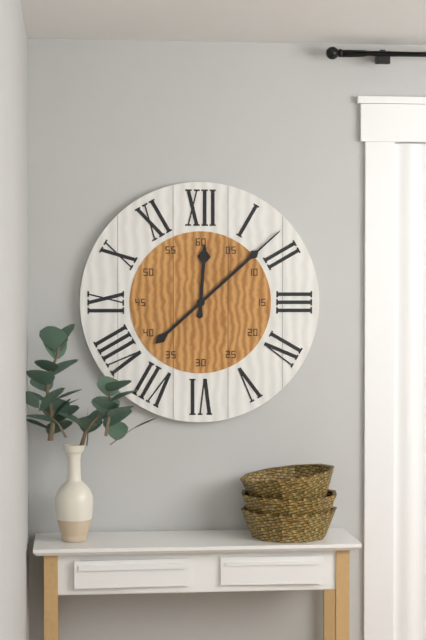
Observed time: 12:08
